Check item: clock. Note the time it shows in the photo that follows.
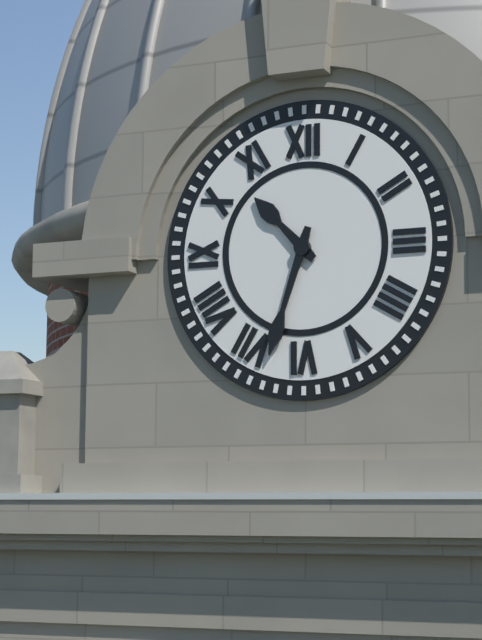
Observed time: 10:33
